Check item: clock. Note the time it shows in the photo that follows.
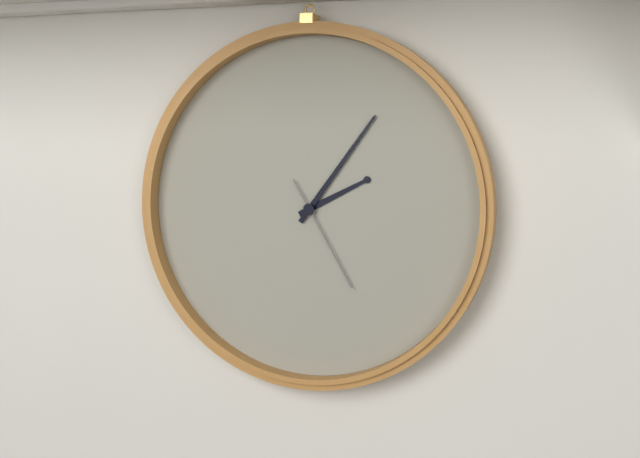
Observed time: 2:06:25
